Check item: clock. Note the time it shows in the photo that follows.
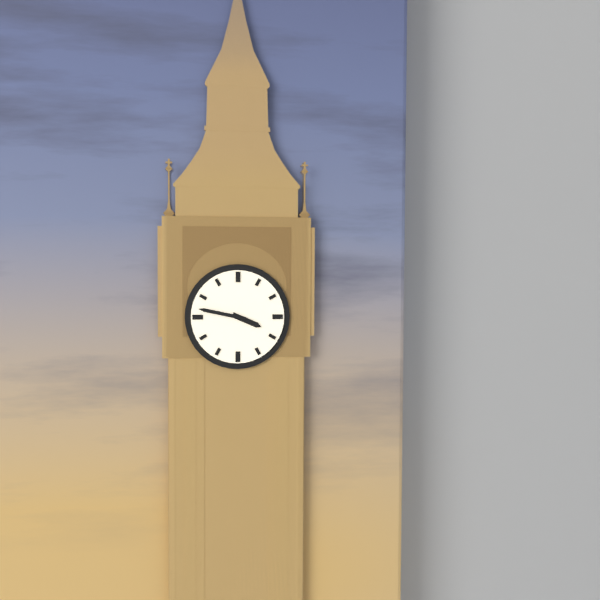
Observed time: 3:47
